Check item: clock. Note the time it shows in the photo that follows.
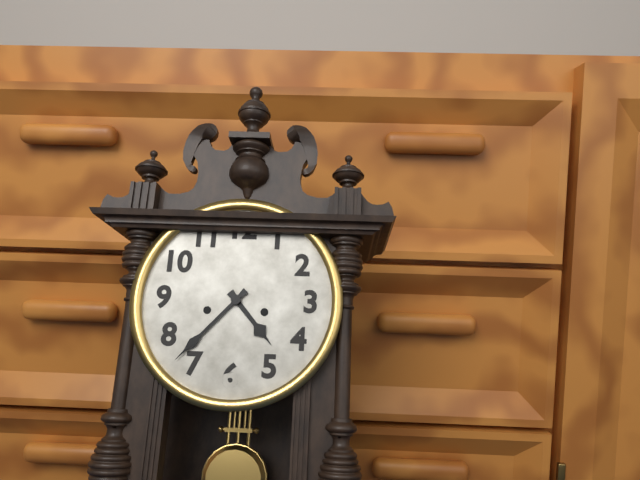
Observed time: 4:37
